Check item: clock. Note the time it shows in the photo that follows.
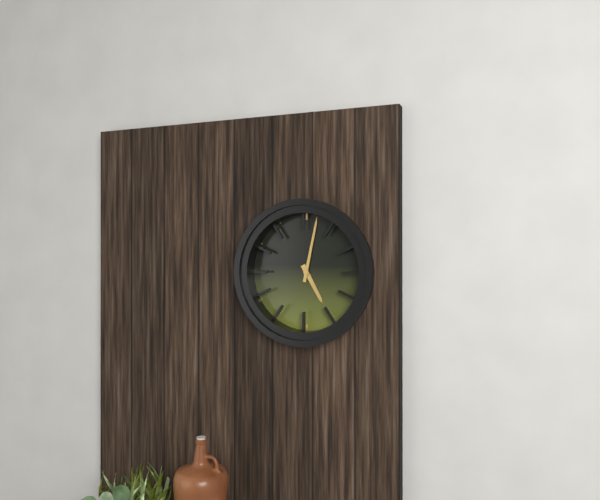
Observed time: 5:02
